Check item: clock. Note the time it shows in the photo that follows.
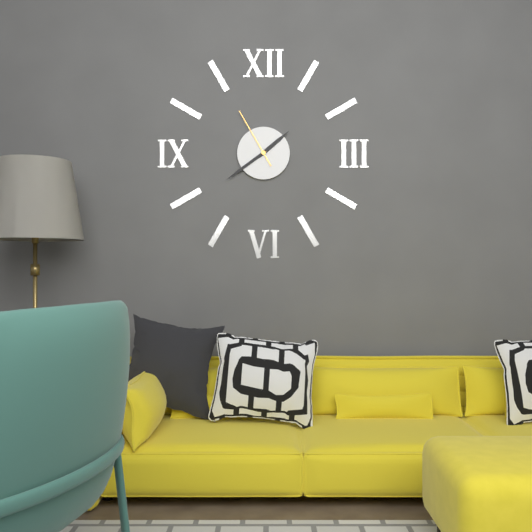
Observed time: 1:39:55
